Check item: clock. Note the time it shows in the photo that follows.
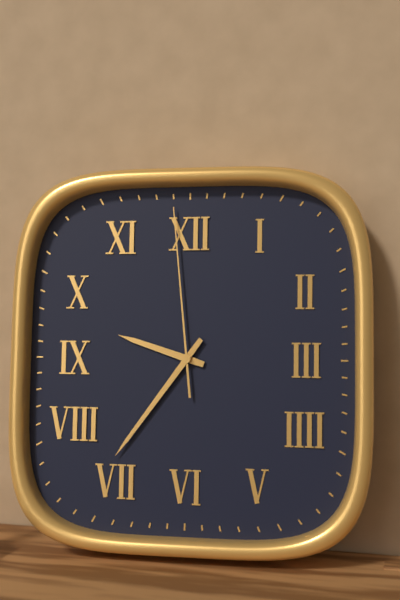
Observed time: 9:36:59
